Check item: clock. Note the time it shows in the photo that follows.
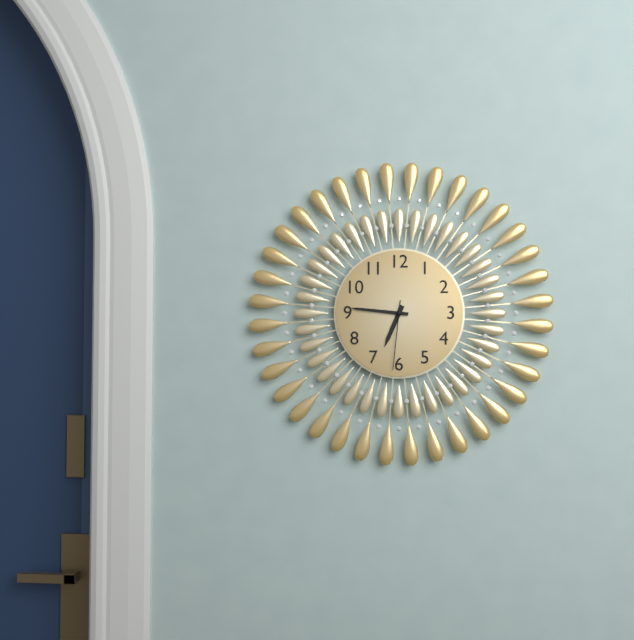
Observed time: 6:46:31
